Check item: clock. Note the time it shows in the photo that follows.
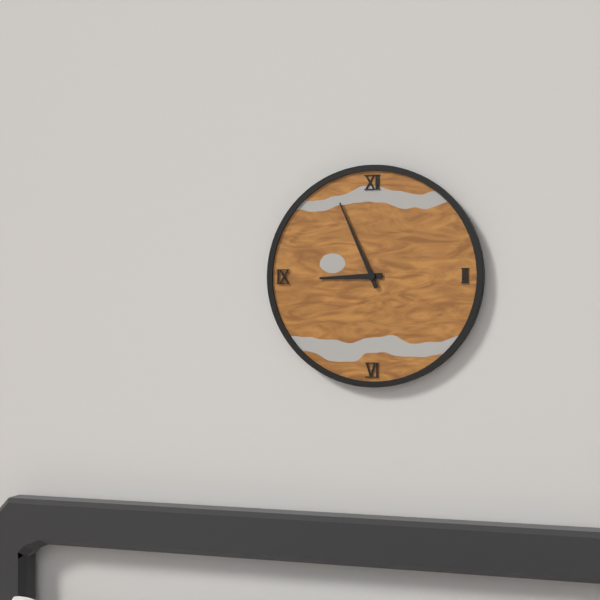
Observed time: 8:56
